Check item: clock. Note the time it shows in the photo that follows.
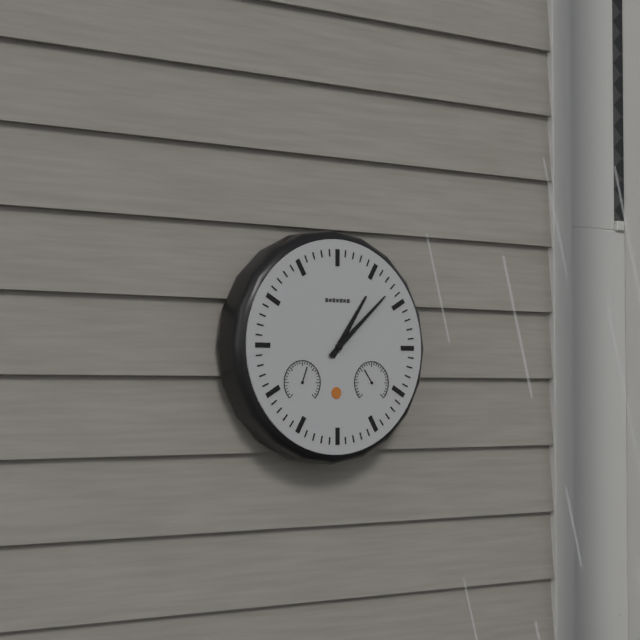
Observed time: 1:08
